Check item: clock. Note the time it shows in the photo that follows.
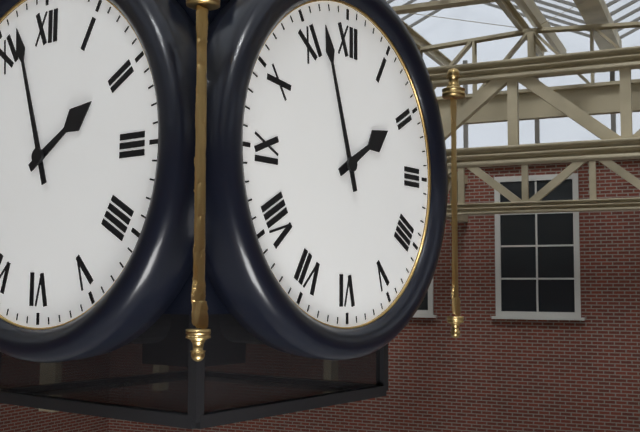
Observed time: 1:57
